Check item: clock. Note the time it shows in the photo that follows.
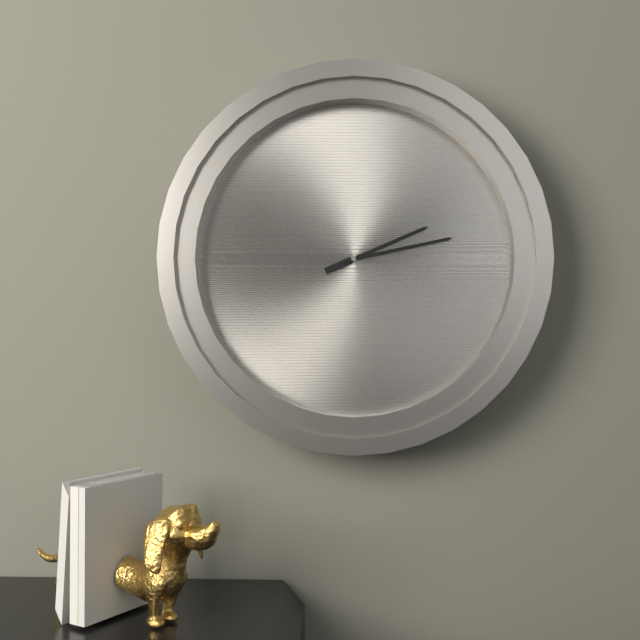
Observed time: 2:13
